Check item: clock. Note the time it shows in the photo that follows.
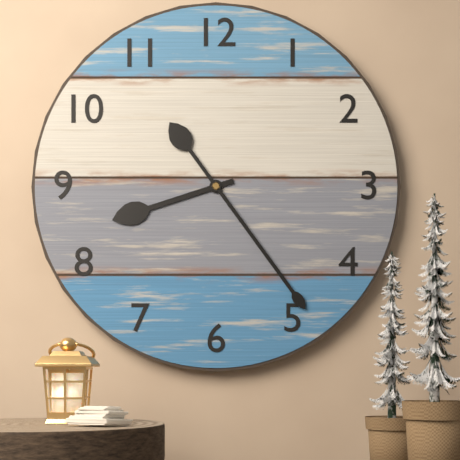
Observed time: 8:24
